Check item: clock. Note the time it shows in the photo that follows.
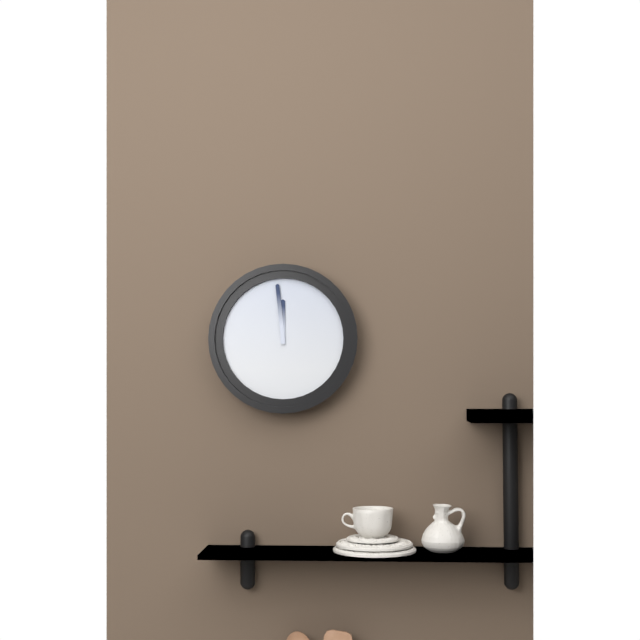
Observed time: 11:59
